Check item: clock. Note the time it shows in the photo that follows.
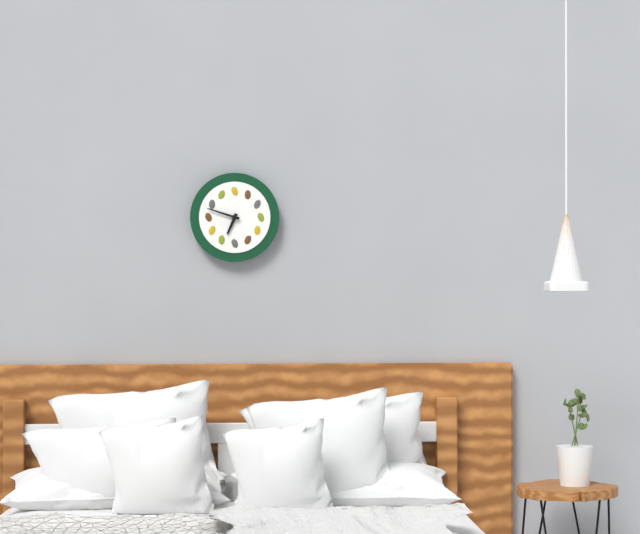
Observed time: 6:48
